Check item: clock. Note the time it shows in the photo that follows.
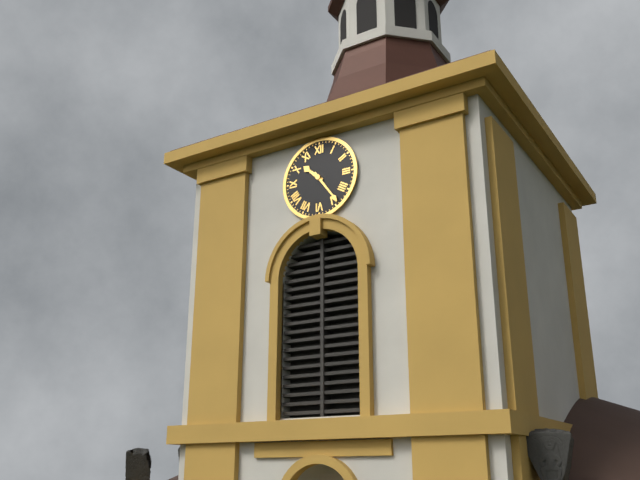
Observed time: 10:24
